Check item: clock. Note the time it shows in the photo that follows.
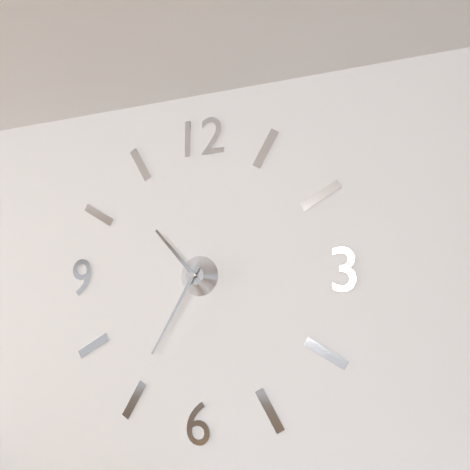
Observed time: 10:35
